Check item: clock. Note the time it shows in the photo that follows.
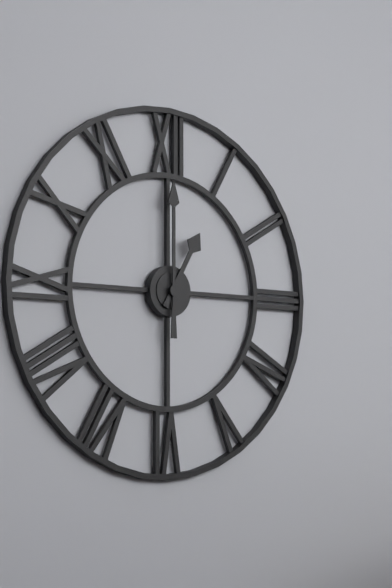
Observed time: 1:00
